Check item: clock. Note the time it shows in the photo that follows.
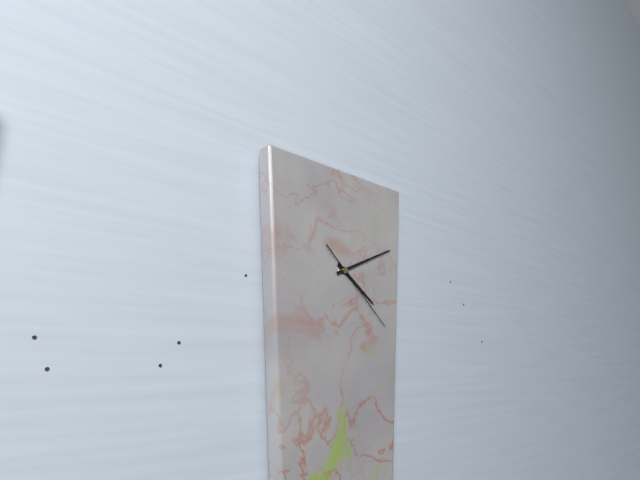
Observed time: 4:11:22
